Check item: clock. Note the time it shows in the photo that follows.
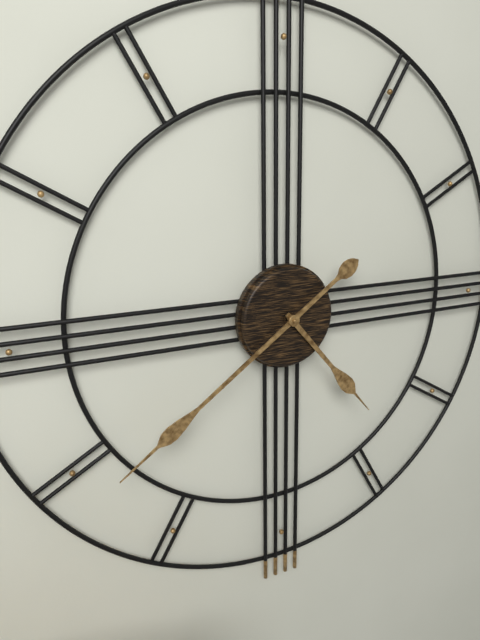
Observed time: 4:39
